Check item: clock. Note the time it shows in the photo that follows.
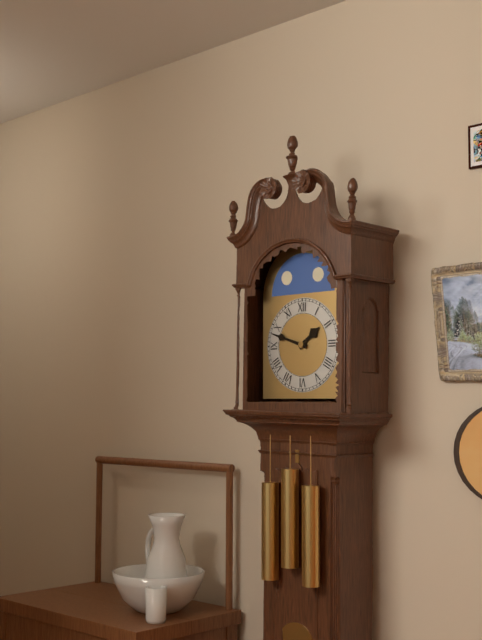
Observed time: 1:48
